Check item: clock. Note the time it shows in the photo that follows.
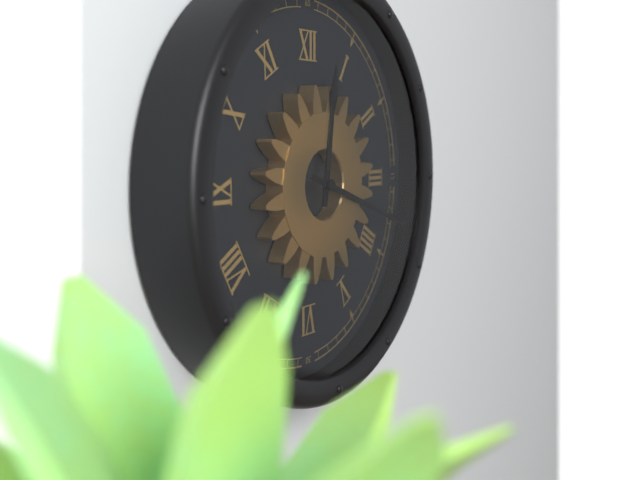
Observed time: 12:18
